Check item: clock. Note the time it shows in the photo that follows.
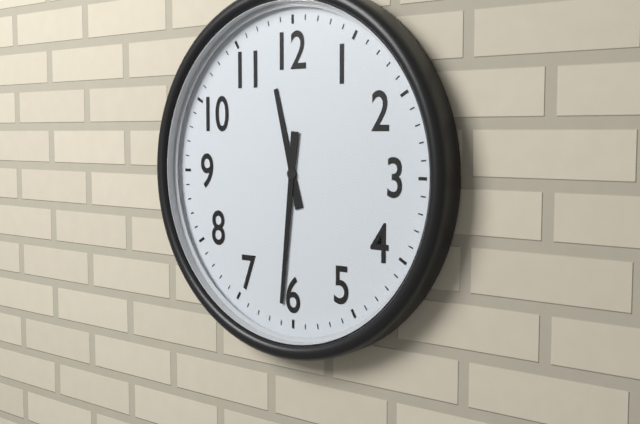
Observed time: 11:31
